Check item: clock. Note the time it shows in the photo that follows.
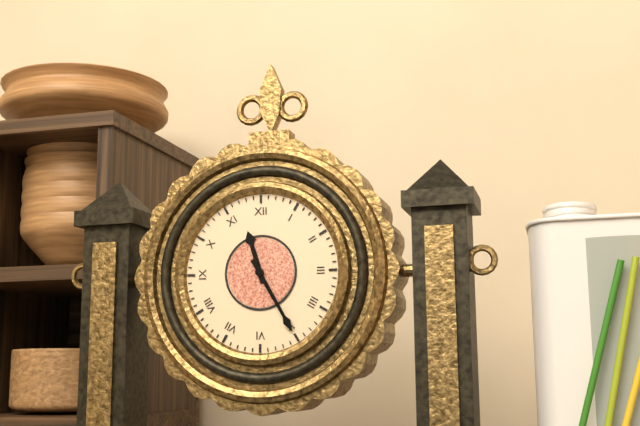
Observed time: 11:25
